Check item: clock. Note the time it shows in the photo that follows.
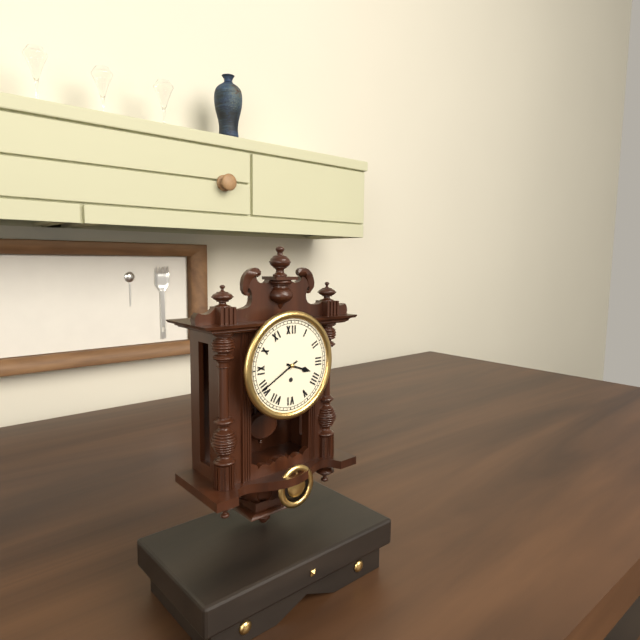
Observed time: 3:40
